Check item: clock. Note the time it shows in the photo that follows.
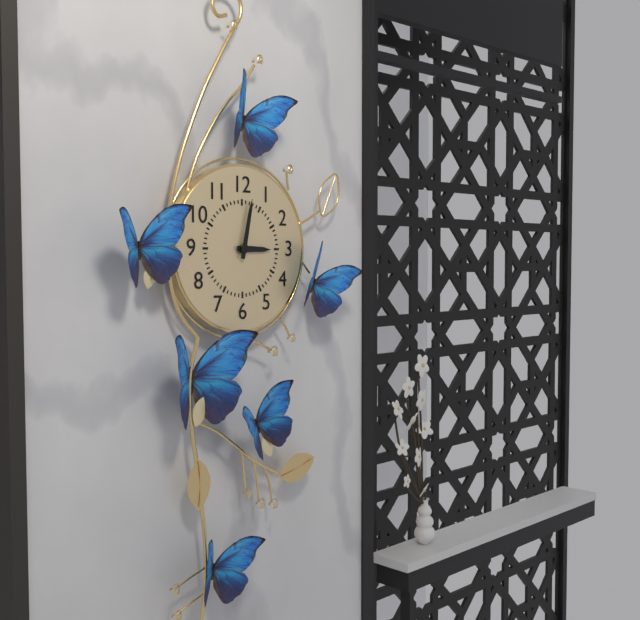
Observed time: 3:02
